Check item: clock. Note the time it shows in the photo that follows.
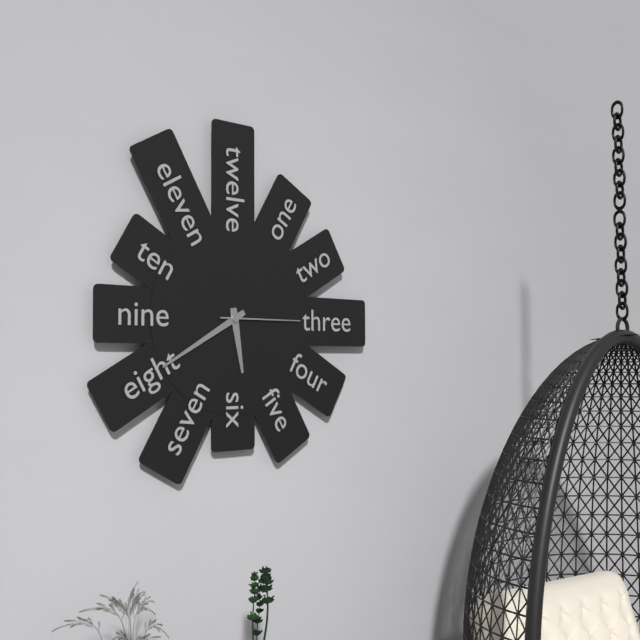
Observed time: 5:40:15
